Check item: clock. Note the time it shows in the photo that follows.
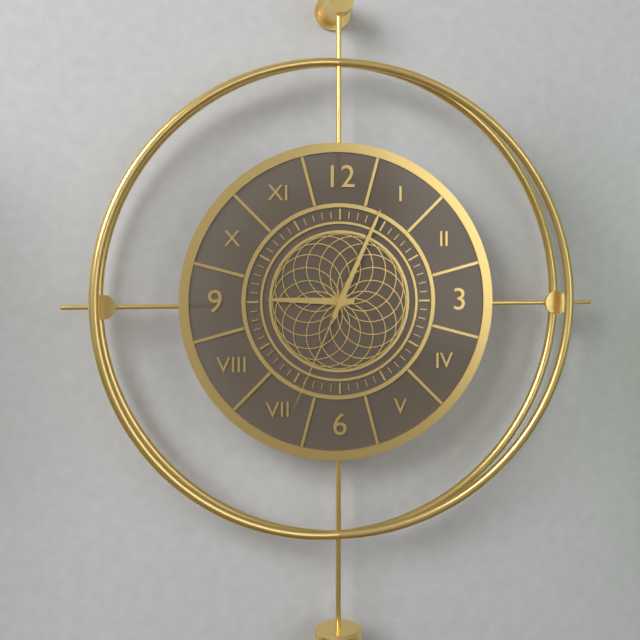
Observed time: 9:04:34
